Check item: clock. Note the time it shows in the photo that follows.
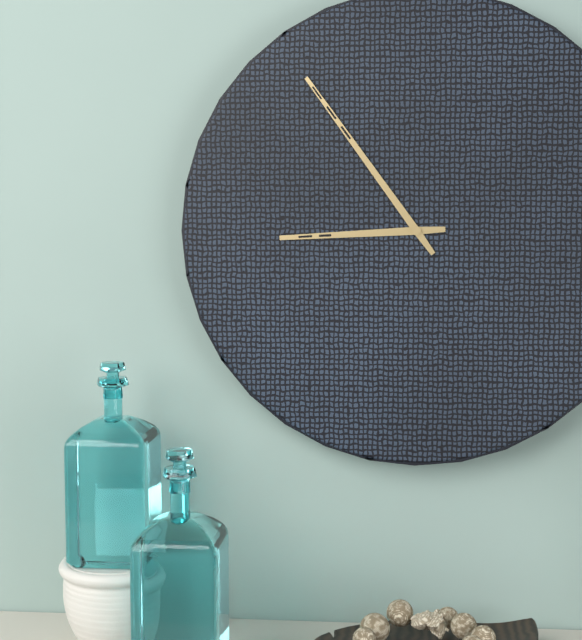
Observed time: 8:54
